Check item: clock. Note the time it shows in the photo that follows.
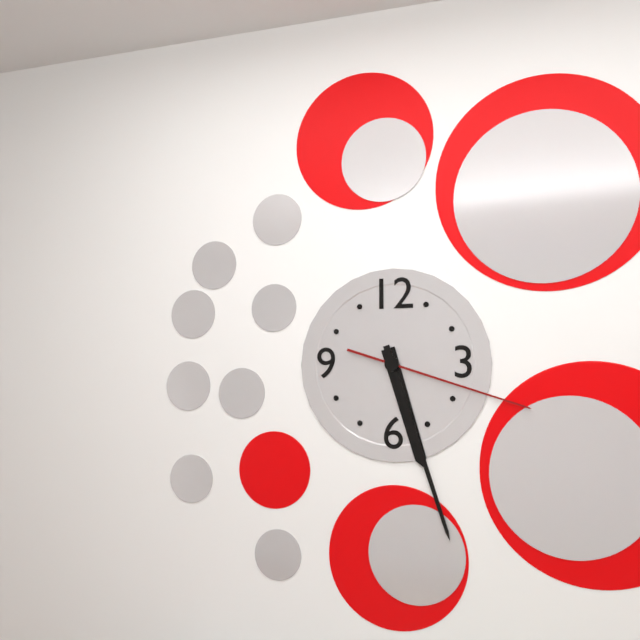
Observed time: 5:27:18
